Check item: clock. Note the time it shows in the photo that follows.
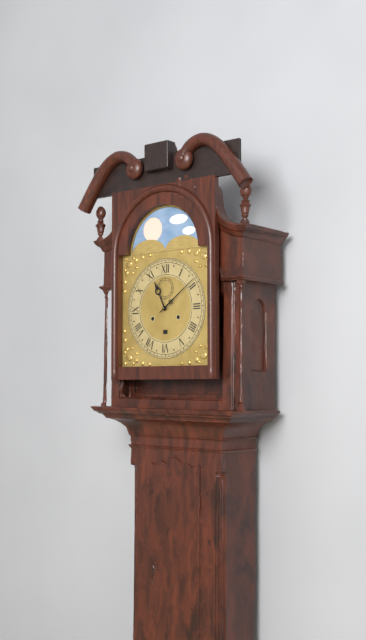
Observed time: 11:09
